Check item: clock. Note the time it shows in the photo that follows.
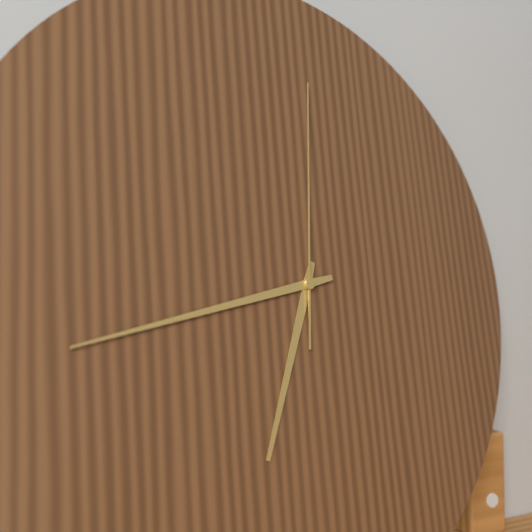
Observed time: 6:43:01
